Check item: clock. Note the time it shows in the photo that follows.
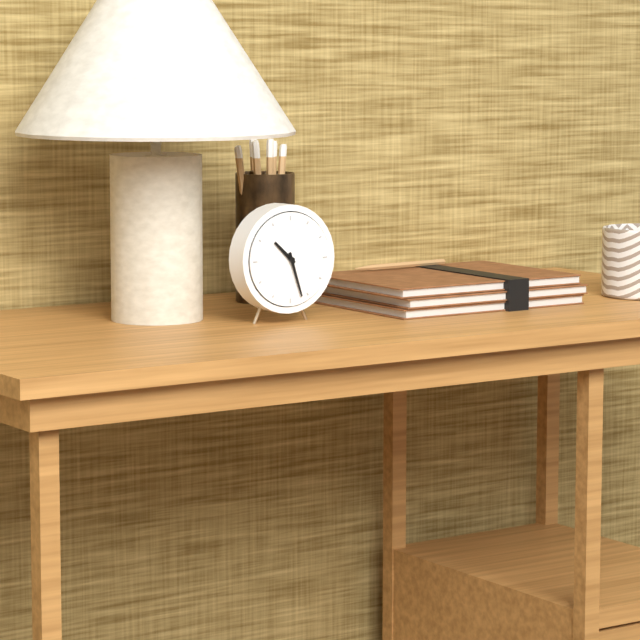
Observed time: 10:27
